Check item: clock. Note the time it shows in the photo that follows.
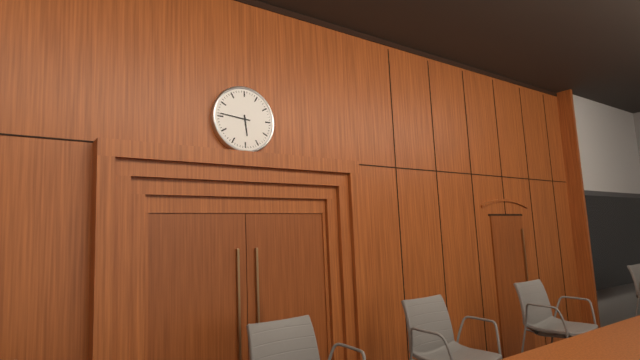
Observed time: 5:46
